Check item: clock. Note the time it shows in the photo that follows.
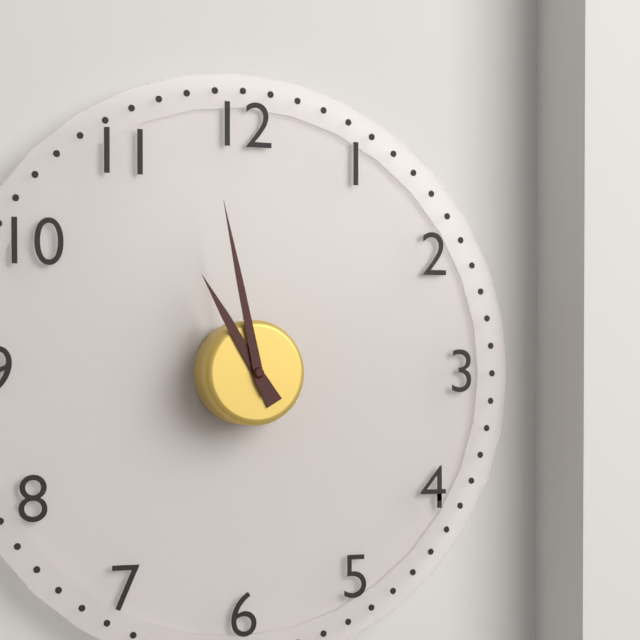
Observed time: 10:58
